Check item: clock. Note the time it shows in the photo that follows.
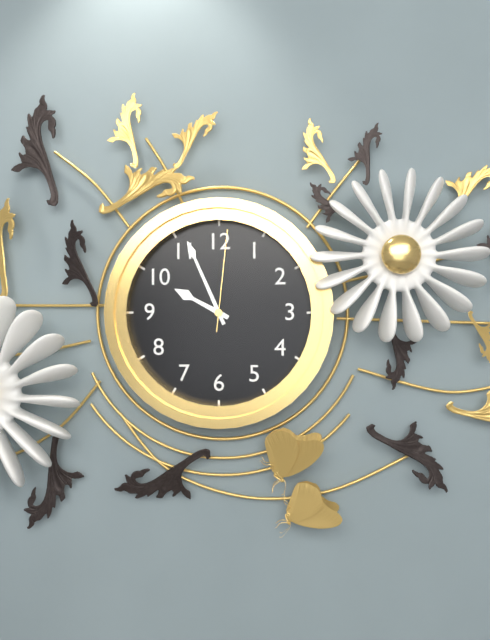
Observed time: 9:56:01
